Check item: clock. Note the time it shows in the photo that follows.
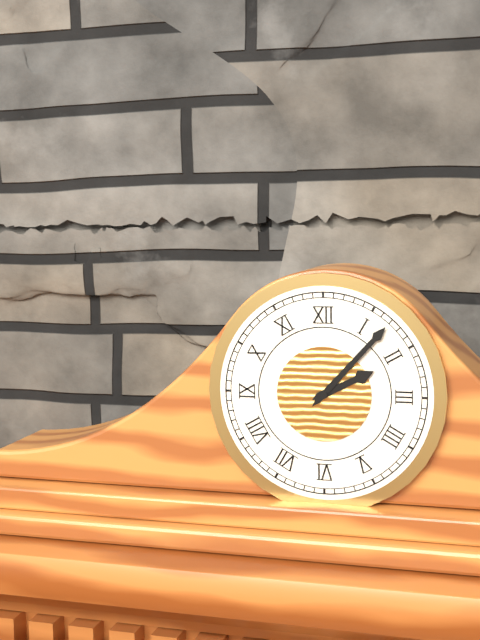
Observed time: 2:07
